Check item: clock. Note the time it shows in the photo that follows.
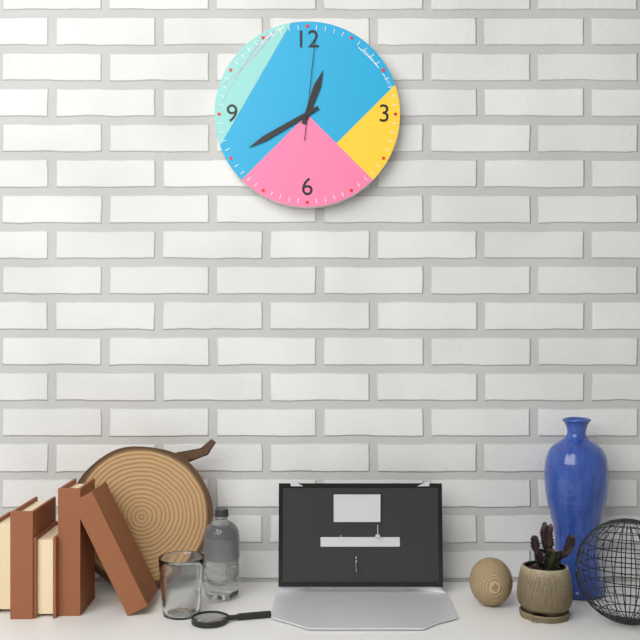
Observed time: 12:40:01
